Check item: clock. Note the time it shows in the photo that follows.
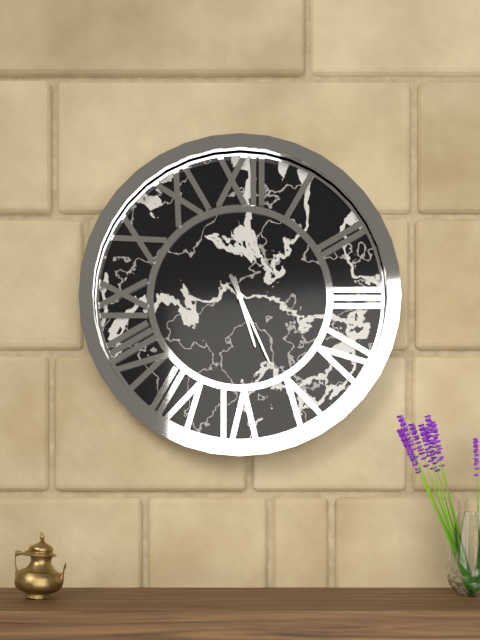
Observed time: 5:26
